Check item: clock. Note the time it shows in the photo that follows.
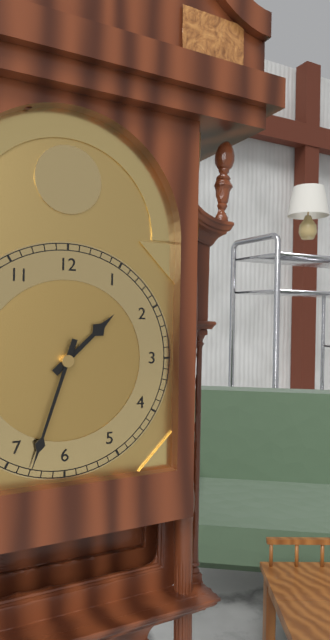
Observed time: 1:33
